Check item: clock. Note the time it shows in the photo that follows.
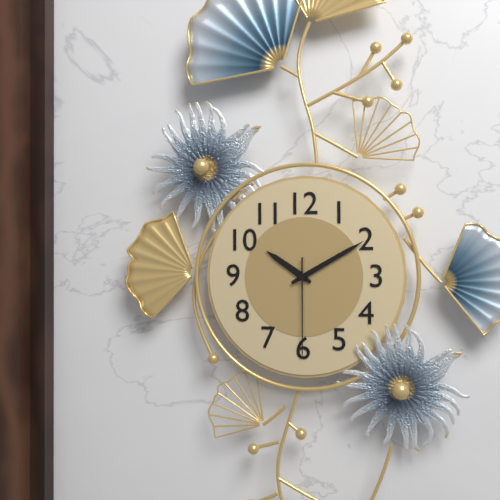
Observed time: 10:10:30
